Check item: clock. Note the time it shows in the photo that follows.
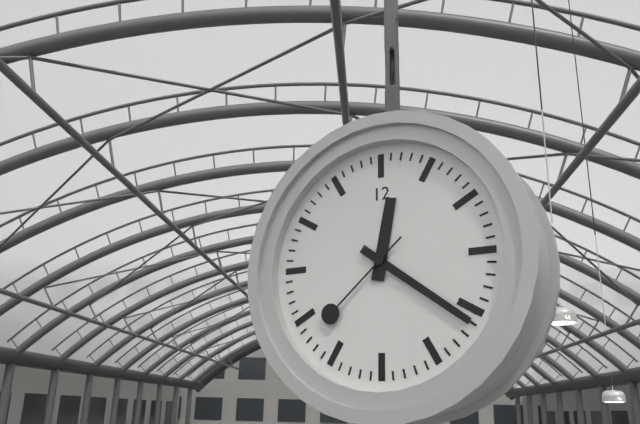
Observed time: 12:21:38
